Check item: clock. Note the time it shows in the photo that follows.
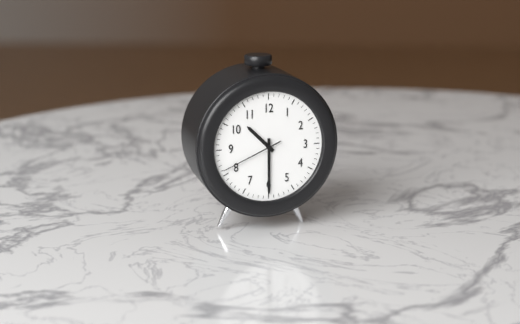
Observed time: 10:30:41
